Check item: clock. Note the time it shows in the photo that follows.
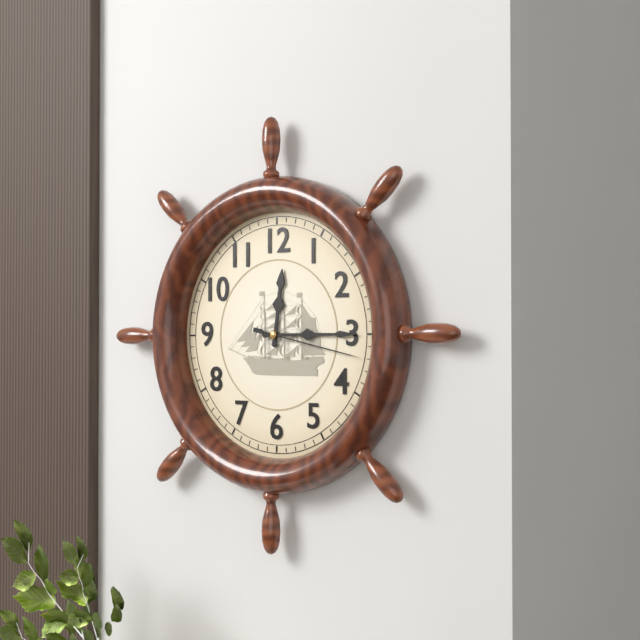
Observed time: 12:15:17
